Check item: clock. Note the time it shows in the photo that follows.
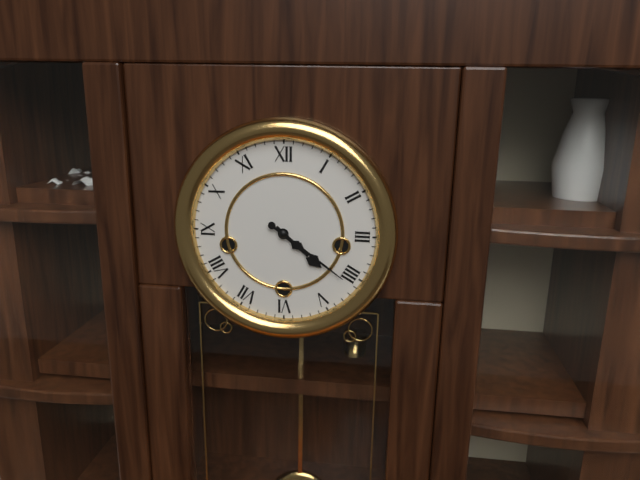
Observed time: 4:21
